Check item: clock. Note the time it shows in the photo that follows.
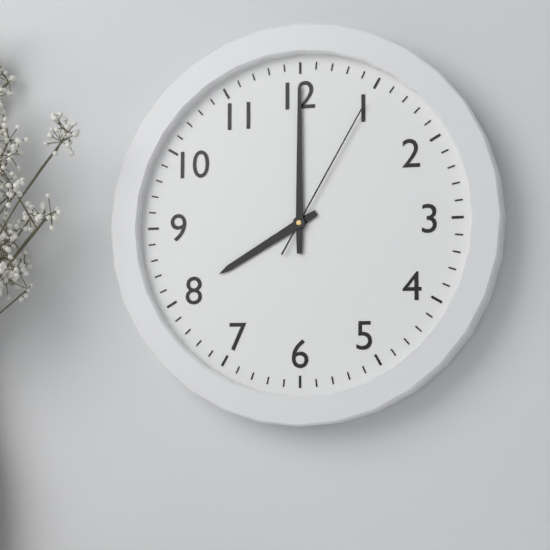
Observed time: 8:00:05
